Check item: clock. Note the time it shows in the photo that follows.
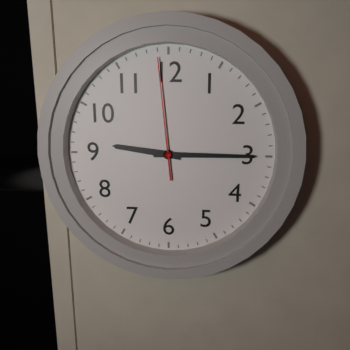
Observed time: 9:15:59
